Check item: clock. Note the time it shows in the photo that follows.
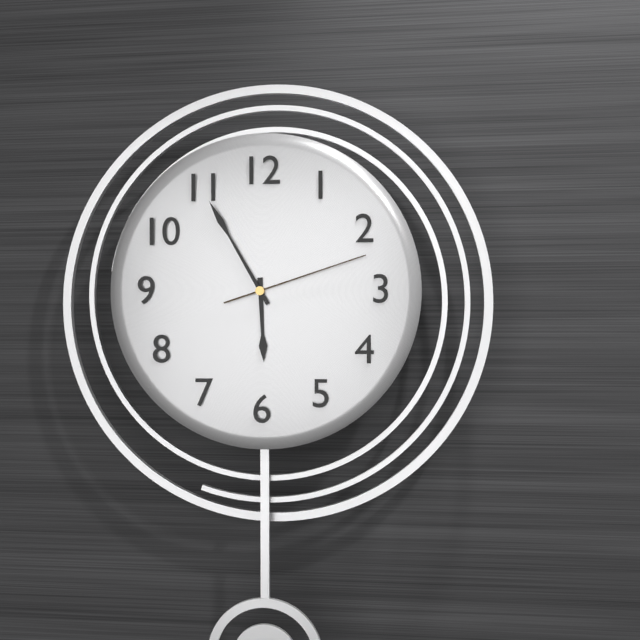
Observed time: 5:55:12
